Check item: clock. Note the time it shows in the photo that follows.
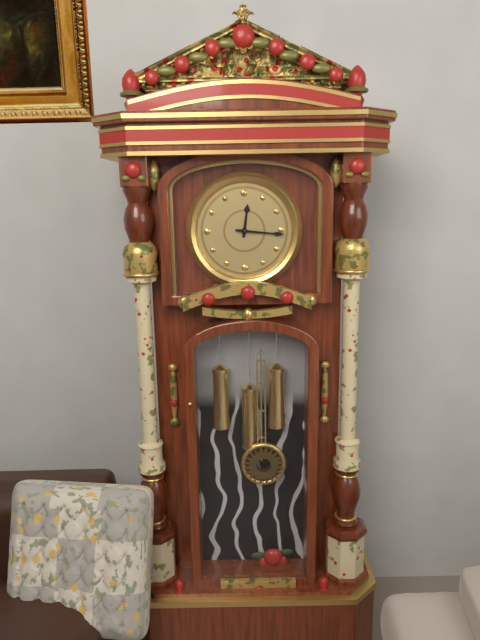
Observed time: 12:16
